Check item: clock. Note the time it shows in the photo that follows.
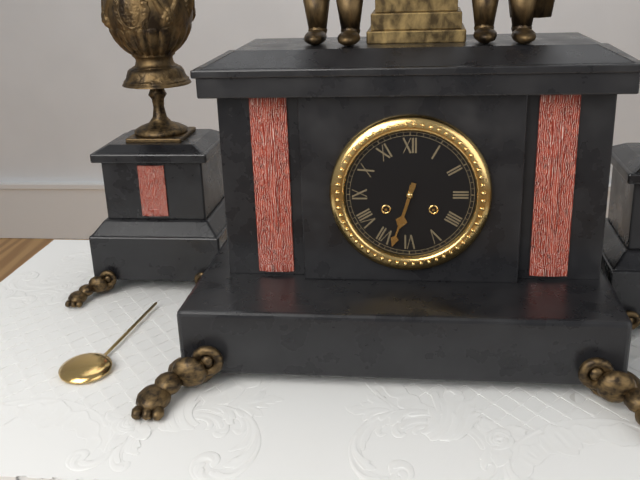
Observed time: 6:33
